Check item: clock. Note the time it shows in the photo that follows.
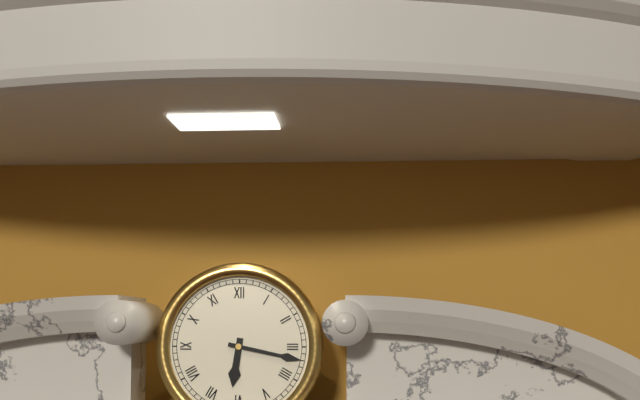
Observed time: 6:17
